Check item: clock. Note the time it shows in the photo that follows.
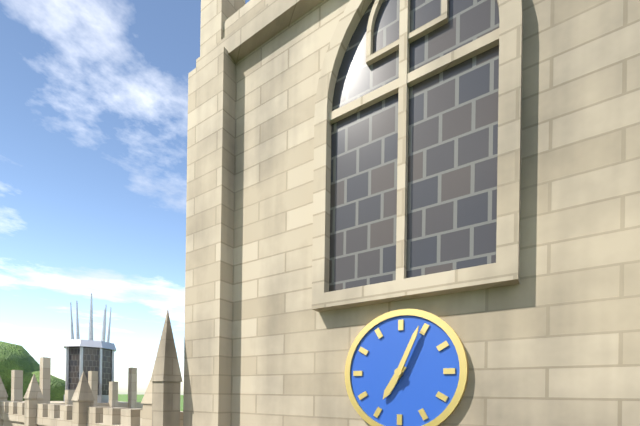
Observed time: 7:04
